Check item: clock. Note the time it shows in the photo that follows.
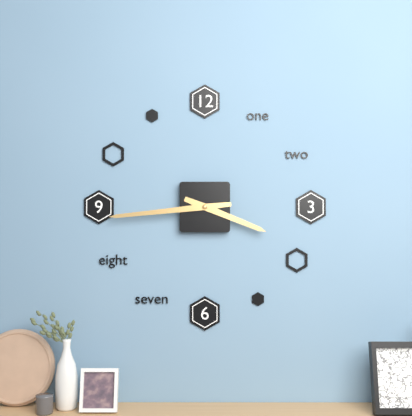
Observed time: 3:44
